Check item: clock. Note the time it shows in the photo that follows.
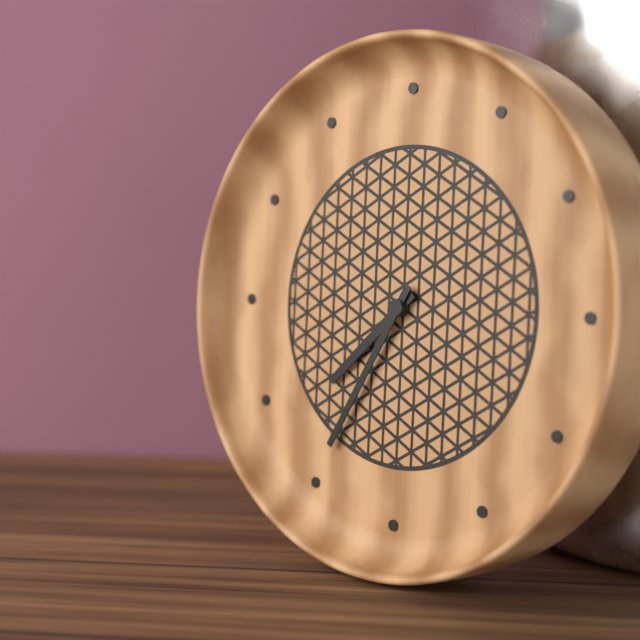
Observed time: 7:35
